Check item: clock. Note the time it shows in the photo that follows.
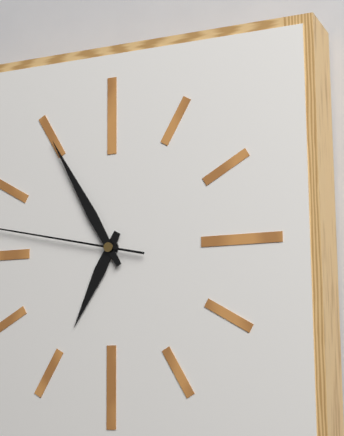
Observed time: 6:55
